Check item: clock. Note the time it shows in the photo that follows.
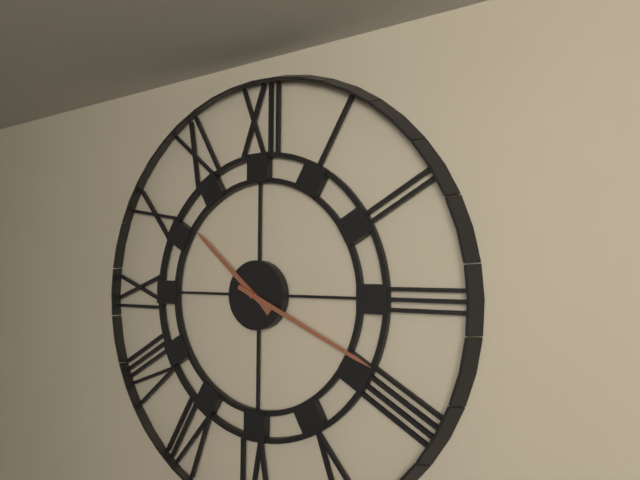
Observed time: 10:19
